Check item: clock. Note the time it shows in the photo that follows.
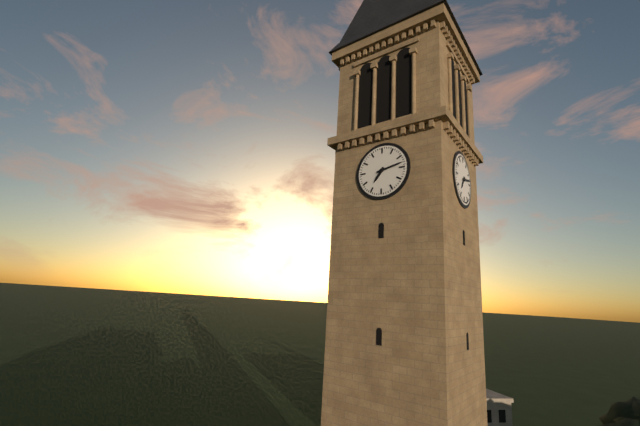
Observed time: 7:13
